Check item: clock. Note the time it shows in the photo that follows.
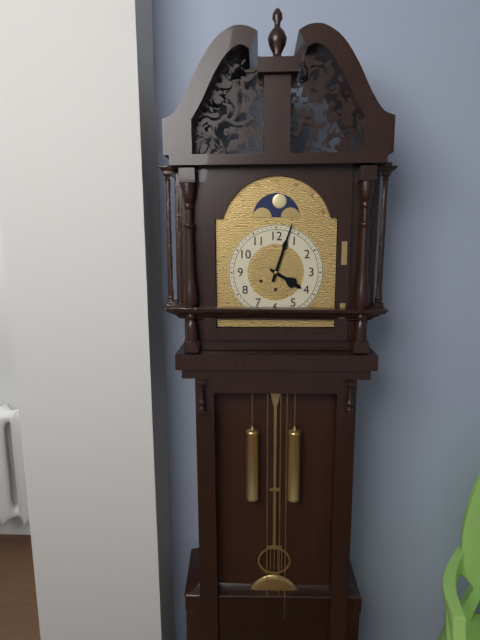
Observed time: 4:03
